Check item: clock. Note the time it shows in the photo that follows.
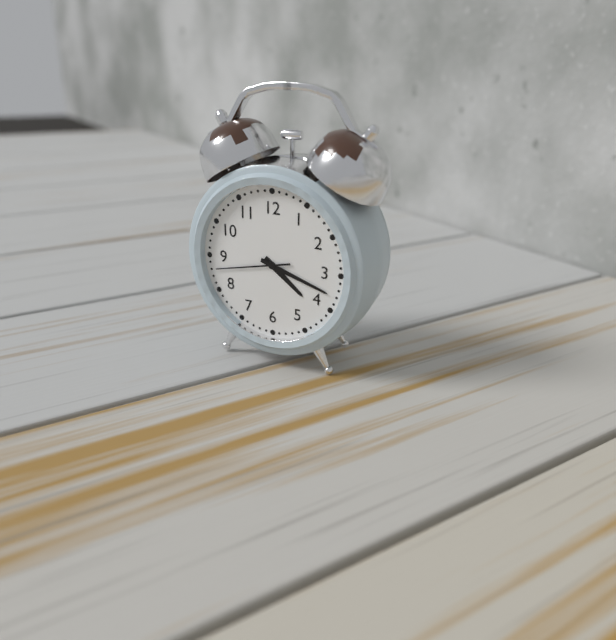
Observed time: 4:18:43
